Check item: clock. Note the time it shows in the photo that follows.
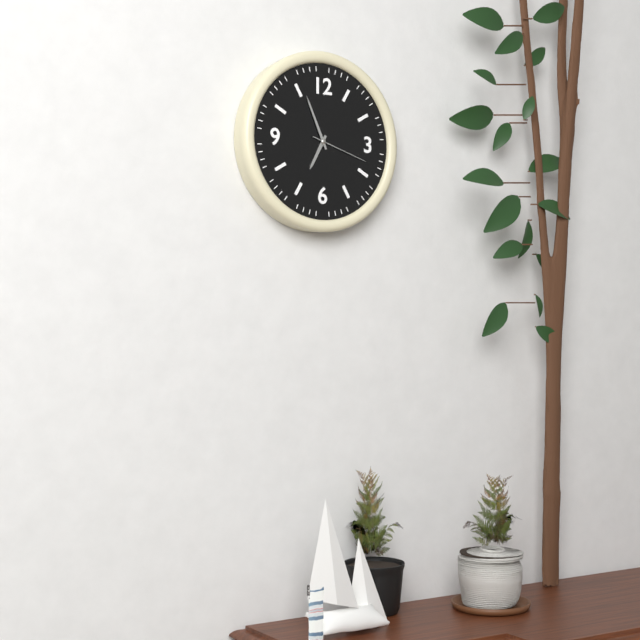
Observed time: 6:56:18
